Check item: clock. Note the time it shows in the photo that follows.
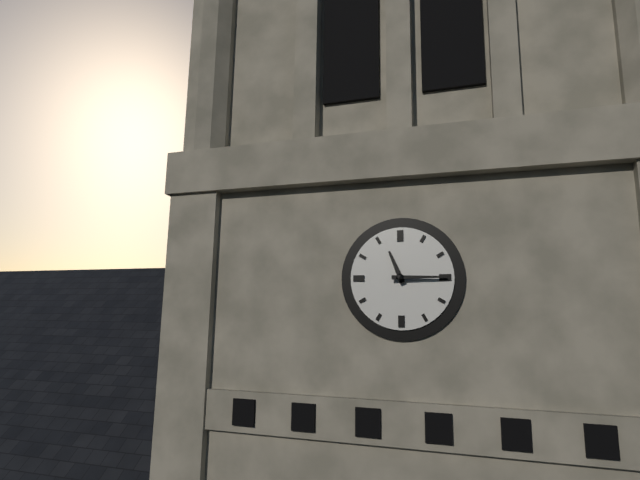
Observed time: 11:15
